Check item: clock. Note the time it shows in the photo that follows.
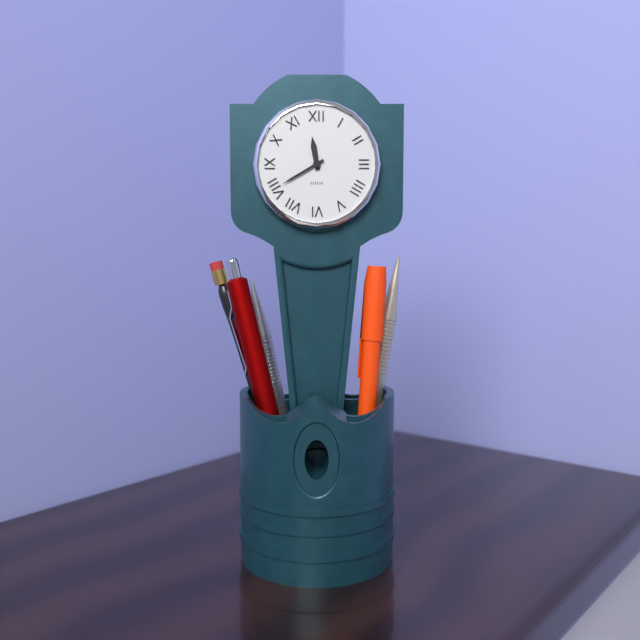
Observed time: 11:40
